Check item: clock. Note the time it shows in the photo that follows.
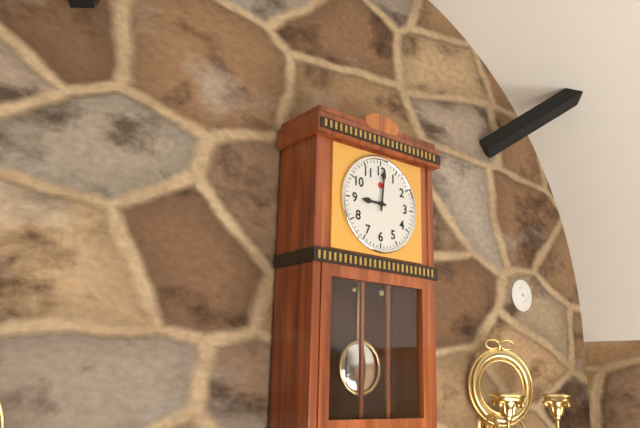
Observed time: 9:01
